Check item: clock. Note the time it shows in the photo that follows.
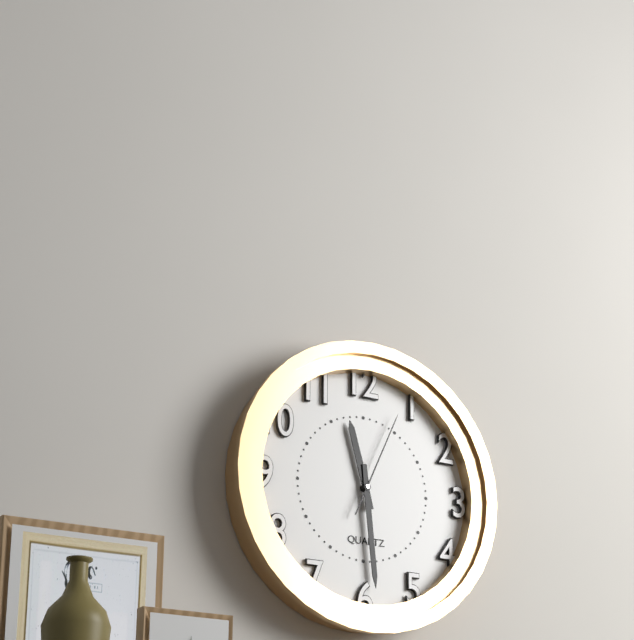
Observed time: 11:29:04
